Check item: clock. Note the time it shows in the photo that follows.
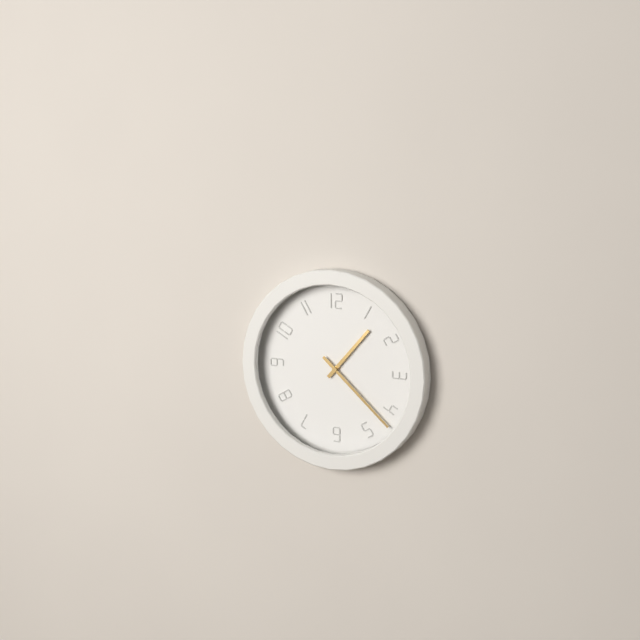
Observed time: 1:22
